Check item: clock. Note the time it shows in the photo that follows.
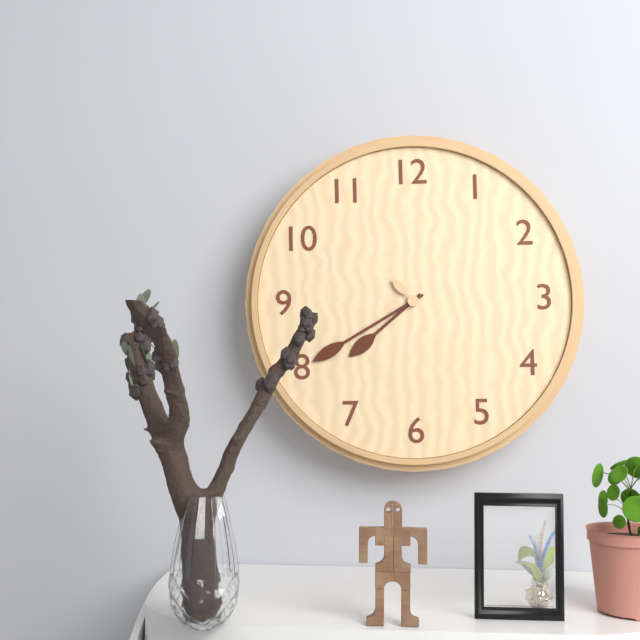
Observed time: 7:40
